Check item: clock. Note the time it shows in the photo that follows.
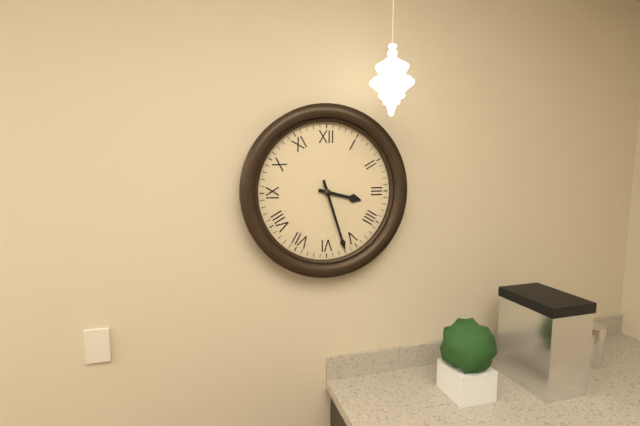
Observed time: 3:27
